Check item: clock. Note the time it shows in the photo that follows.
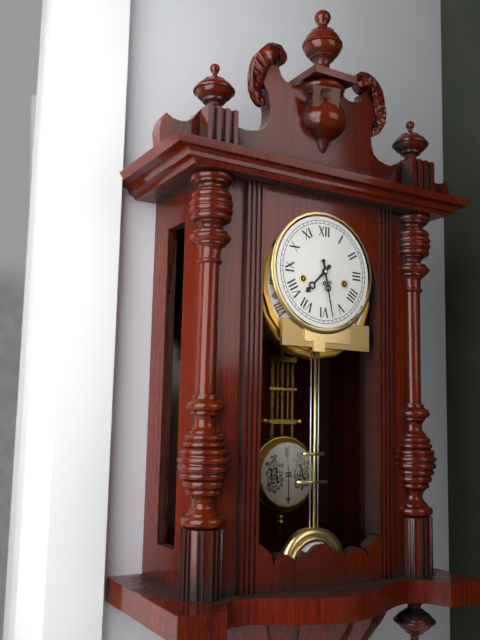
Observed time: 7:28
